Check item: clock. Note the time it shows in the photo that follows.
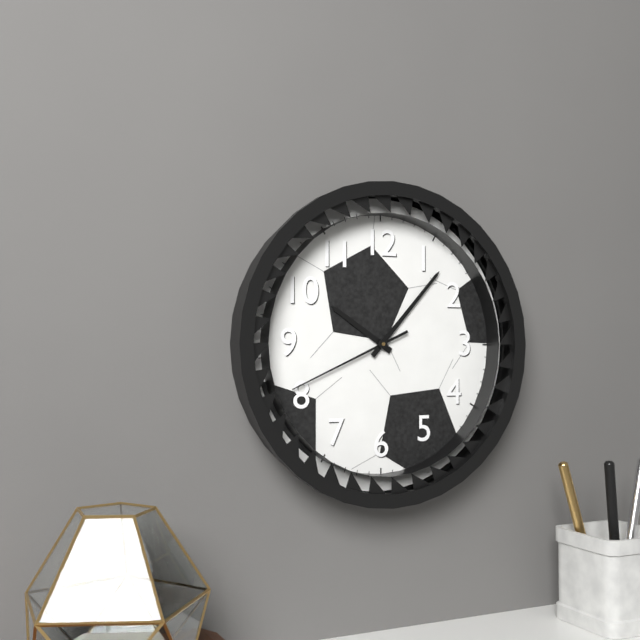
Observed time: 10:07:41
